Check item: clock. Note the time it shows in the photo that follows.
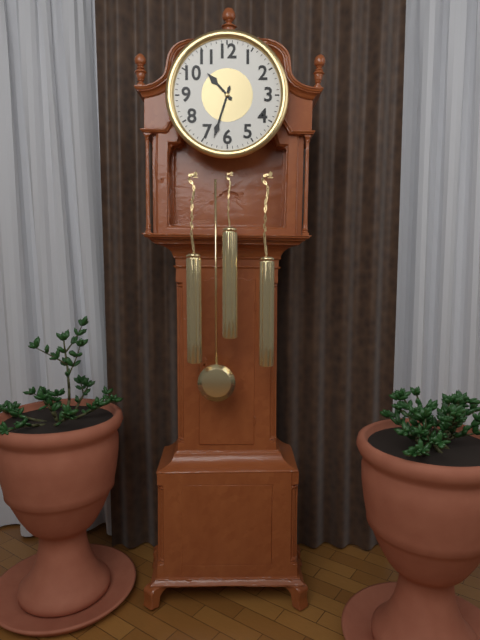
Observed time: 10:33
